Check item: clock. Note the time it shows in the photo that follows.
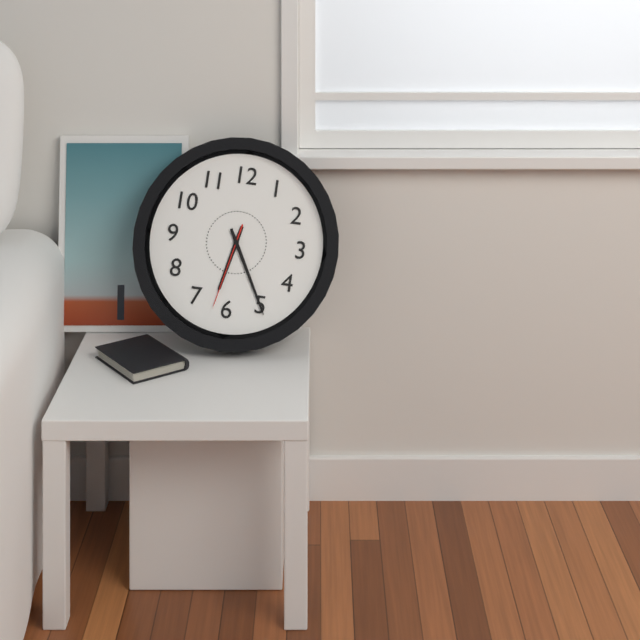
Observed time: 6:25:32
